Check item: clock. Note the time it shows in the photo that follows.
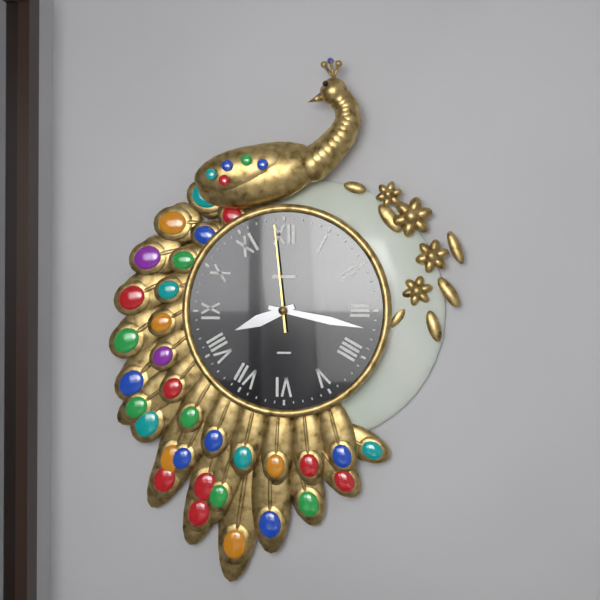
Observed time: 8:17:59
